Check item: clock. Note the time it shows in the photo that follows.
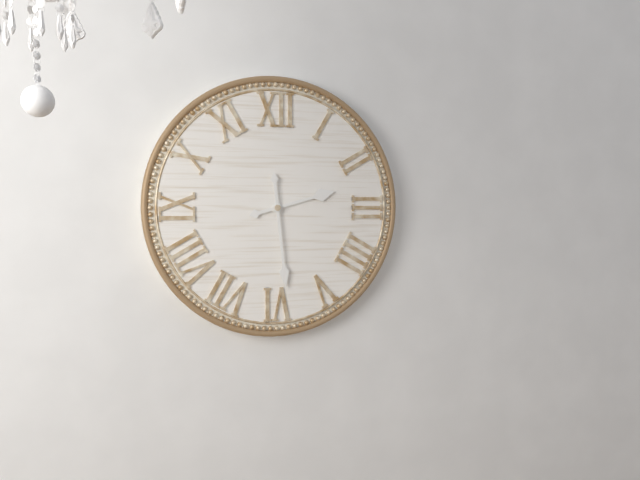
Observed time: 2:29
